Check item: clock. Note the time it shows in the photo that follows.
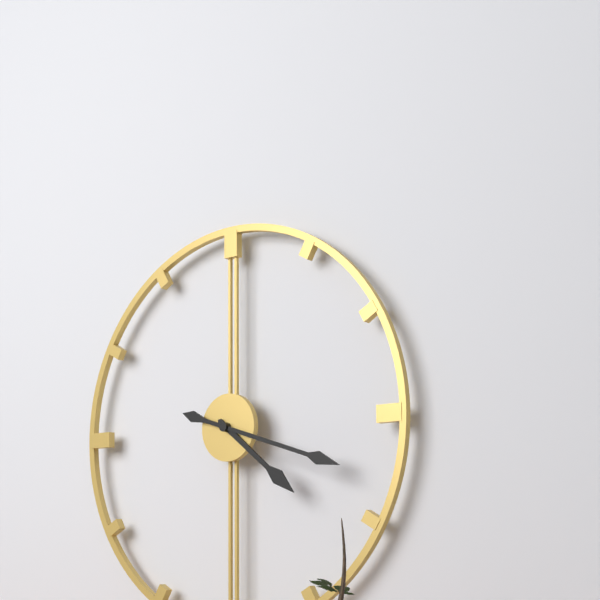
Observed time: 4:18
